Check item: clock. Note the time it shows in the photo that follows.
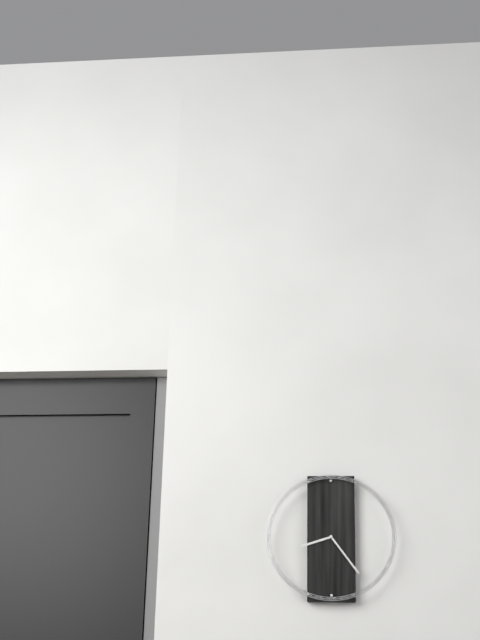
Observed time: 8:24
